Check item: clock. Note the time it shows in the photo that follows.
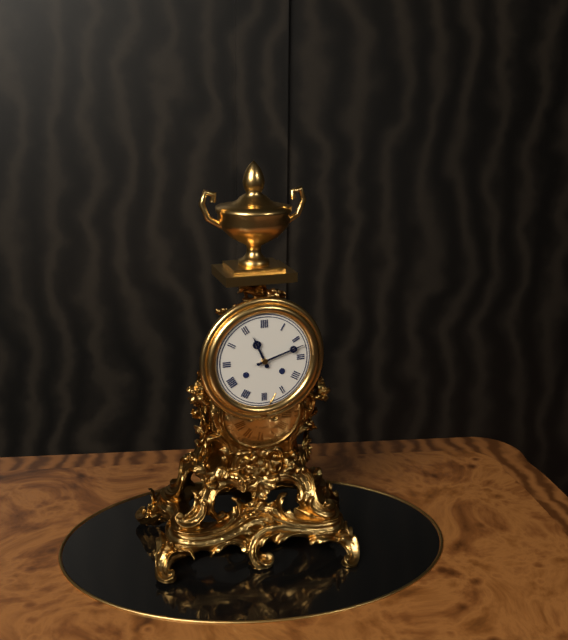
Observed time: 11:12
